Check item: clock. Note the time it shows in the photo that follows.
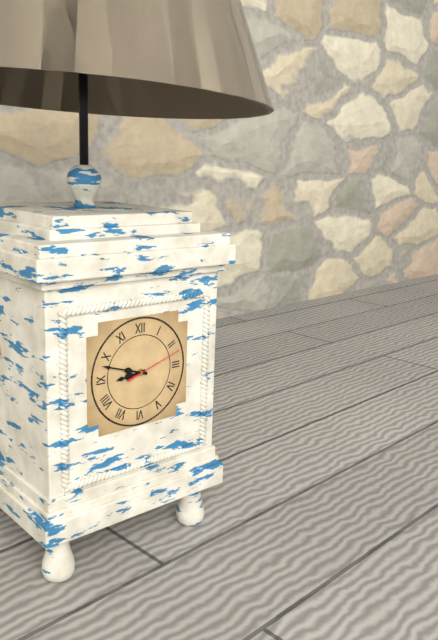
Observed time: 8:48:12
